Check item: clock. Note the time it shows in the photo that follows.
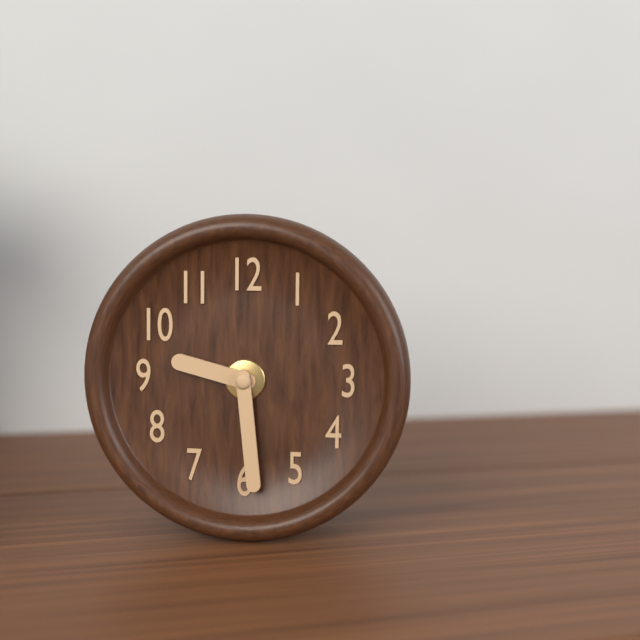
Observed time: 9:29
